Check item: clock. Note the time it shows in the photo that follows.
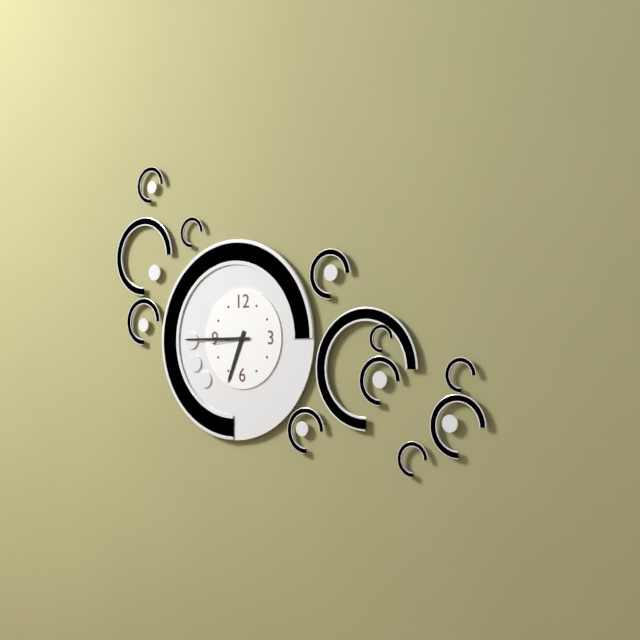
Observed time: 6:45
